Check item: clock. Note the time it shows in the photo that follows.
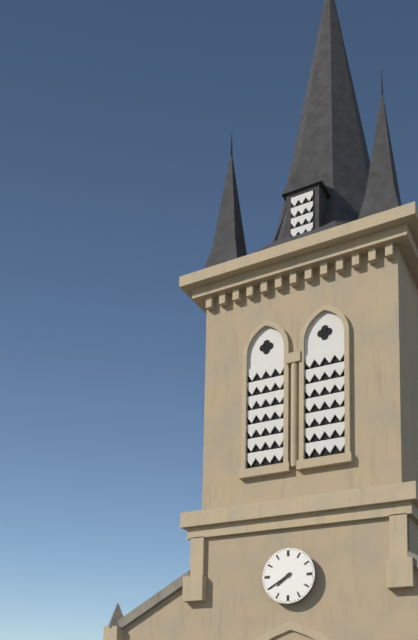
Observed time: 7:40
